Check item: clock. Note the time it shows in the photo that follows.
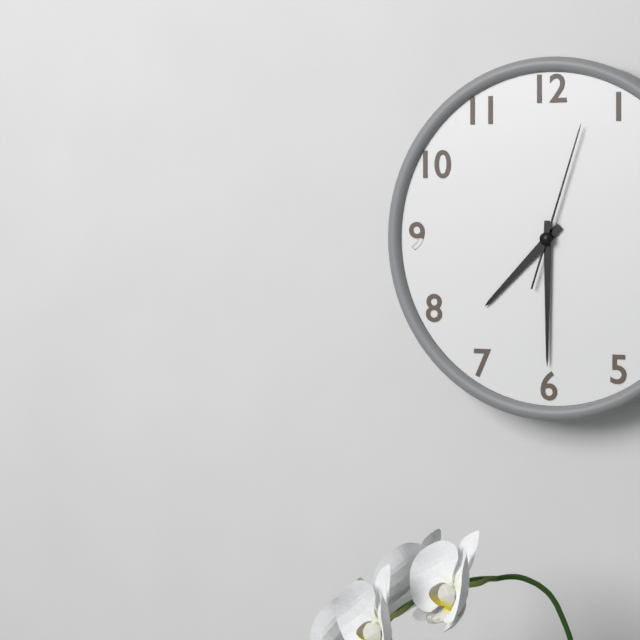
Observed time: 7:30:03
